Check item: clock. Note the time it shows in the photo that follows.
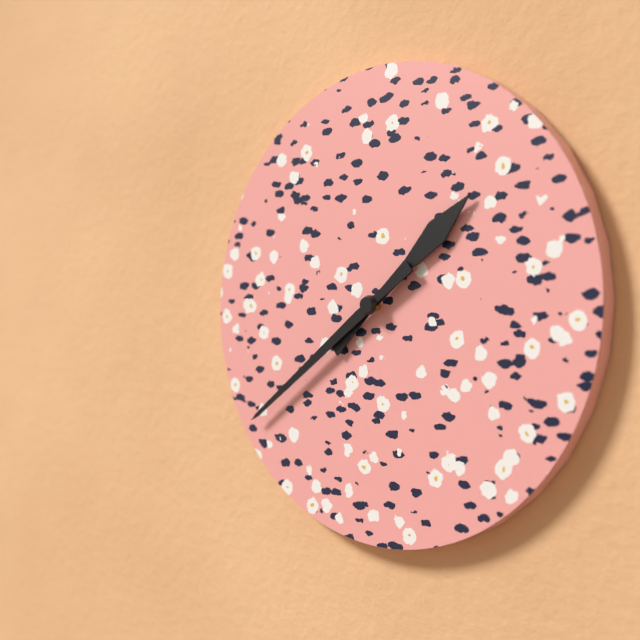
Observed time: 1:39
